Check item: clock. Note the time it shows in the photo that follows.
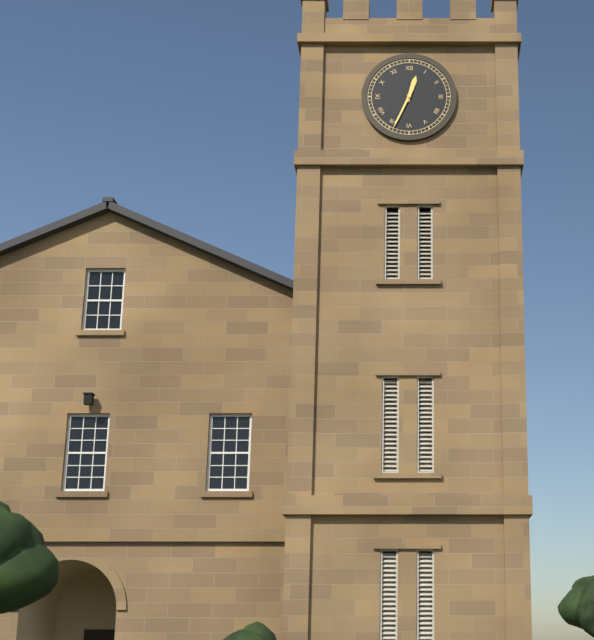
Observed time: 12:34
